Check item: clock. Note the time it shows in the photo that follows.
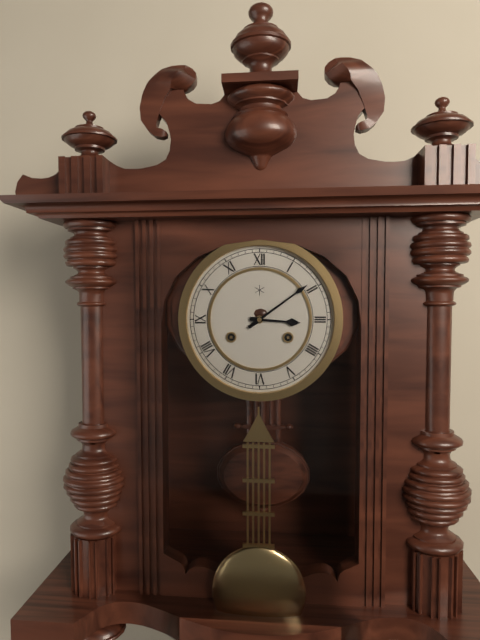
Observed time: 3:09
